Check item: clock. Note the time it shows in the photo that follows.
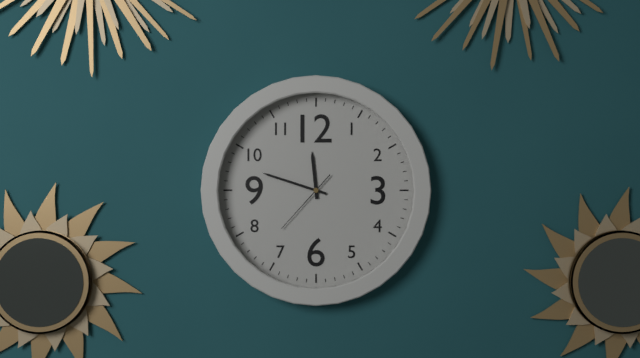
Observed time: 11:48:37
